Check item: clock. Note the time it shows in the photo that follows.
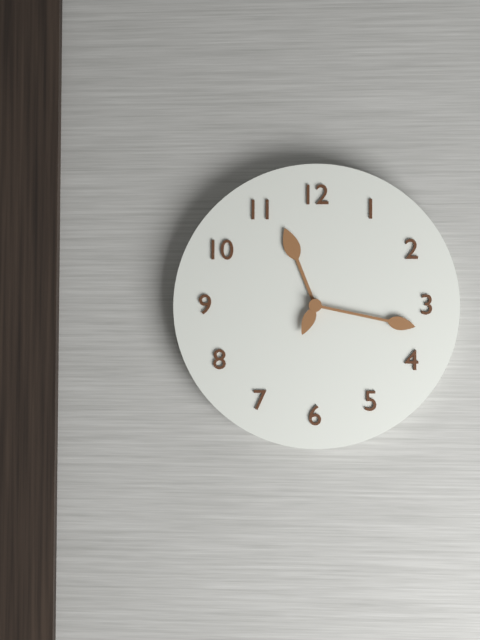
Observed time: 11:17
